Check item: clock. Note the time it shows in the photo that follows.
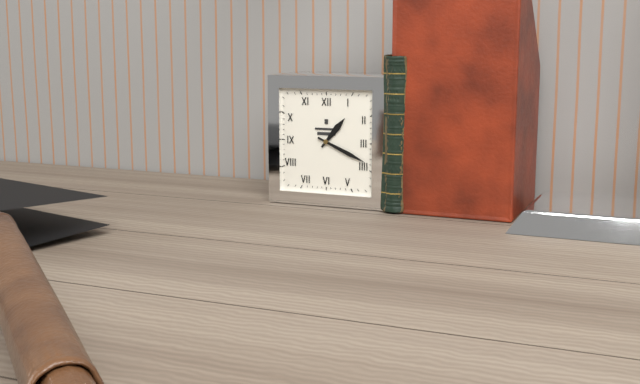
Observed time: 1:19
